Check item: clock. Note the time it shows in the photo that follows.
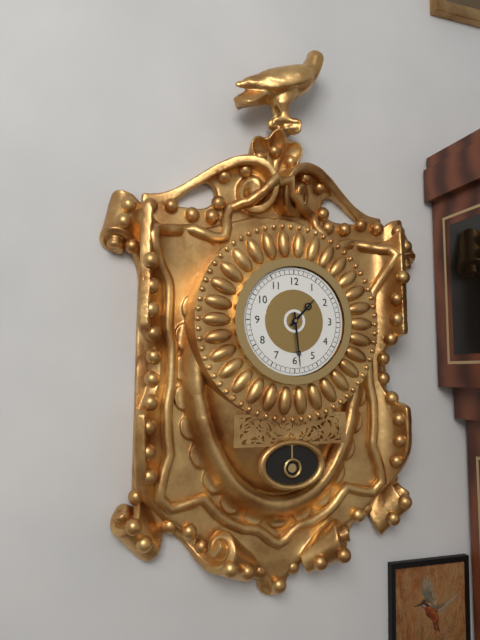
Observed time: 1:29
